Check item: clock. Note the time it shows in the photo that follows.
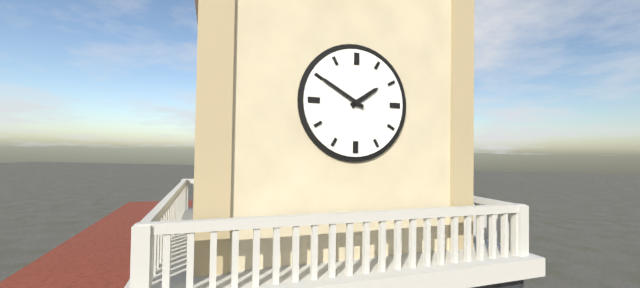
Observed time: 1:50
